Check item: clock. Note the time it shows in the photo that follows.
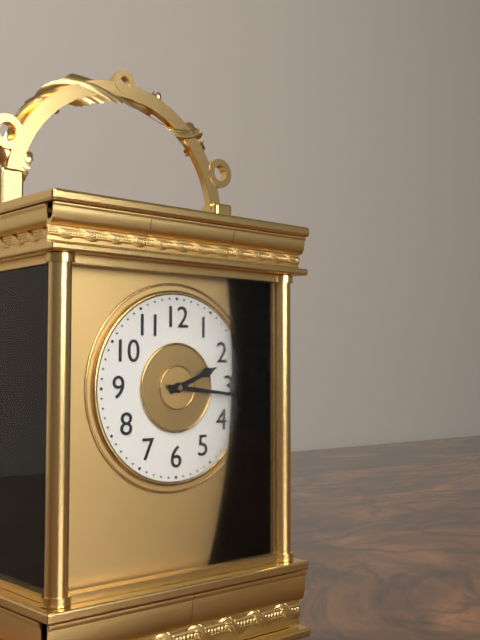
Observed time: 2:16
